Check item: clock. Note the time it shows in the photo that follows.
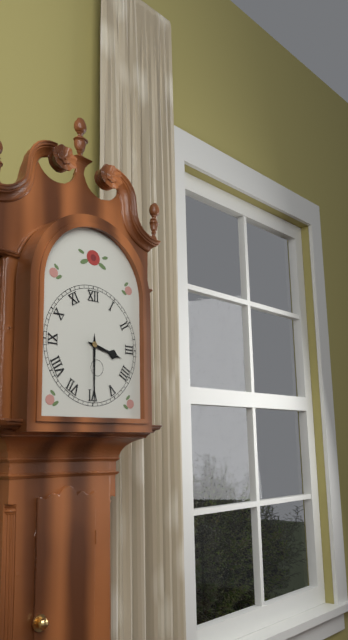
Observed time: 3:30
